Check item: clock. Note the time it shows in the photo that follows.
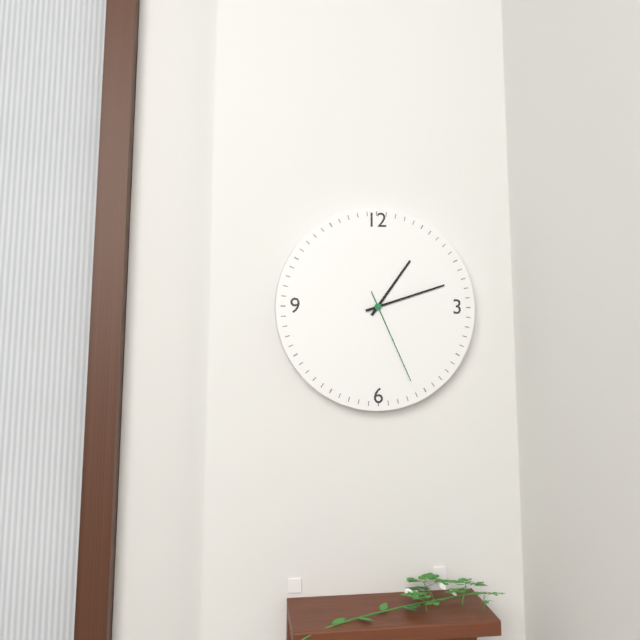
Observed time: 1:12:26
